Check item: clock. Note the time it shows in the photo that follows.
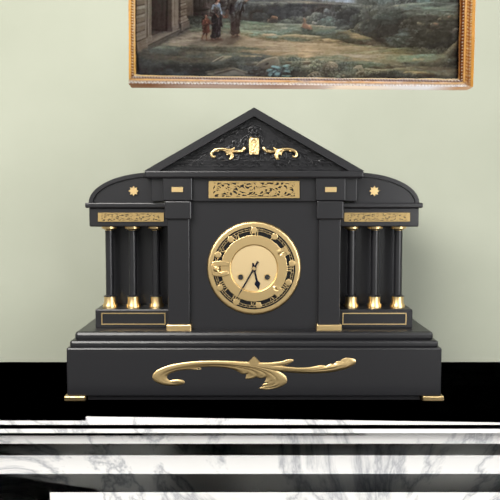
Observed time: 5:35
